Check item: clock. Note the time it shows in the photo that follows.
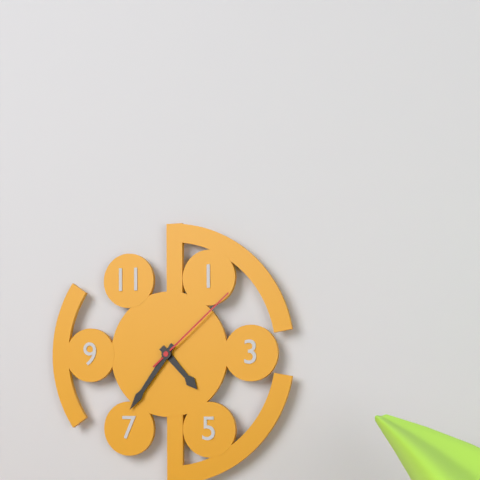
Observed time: 4:36:08
